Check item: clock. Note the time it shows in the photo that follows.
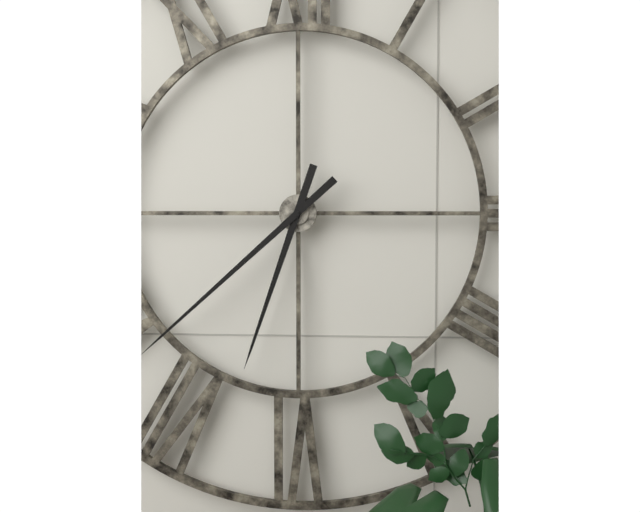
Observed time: 6:38
